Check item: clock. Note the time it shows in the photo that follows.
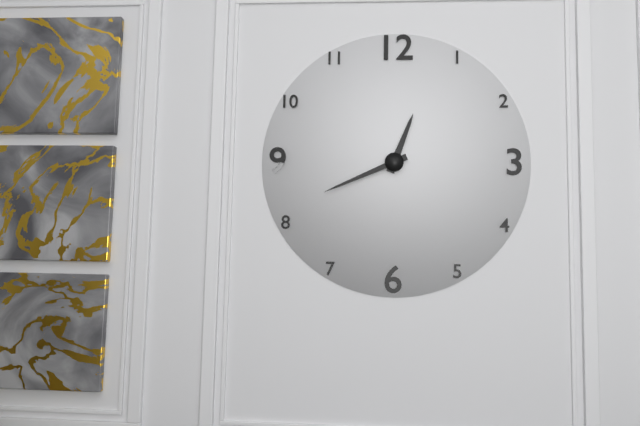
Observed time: 12:41
